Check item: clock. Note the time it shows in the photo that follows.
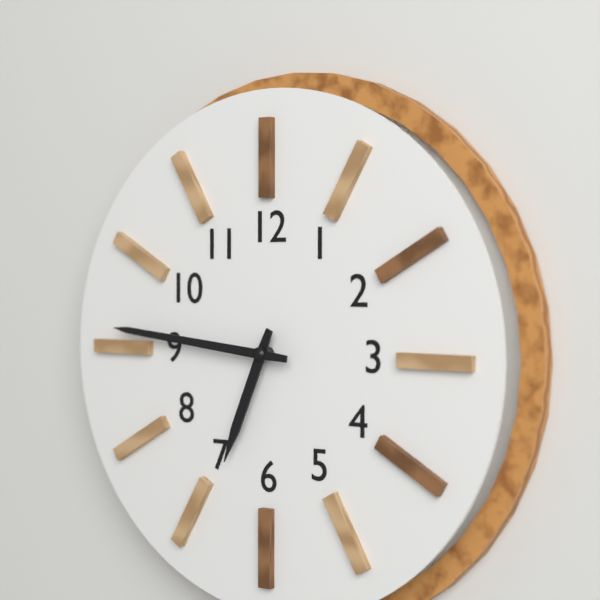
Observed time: 6:46
